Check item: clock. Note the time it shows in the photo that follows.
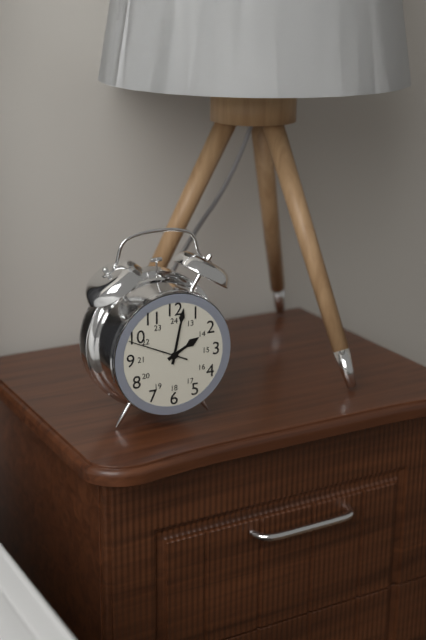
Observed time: 2:02:49
